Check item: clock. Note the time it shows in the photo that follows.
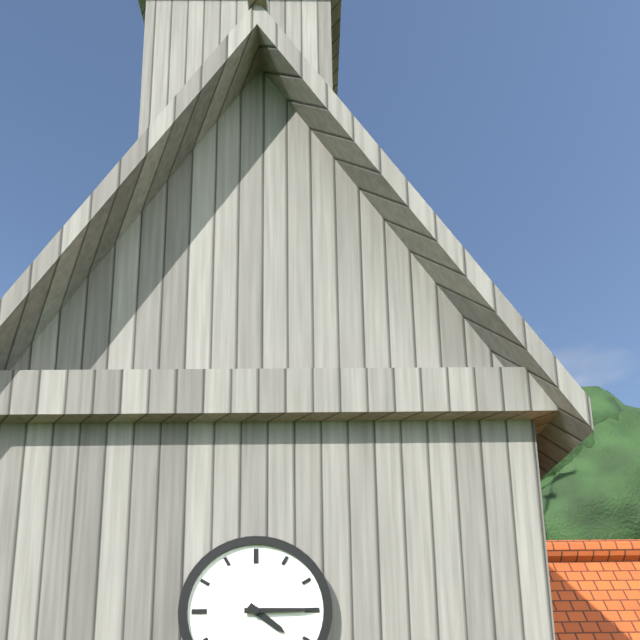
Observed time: 4:15
